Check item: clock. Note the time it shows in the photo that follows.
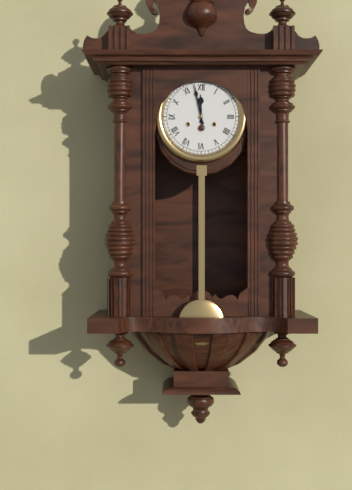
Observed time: 11:58
